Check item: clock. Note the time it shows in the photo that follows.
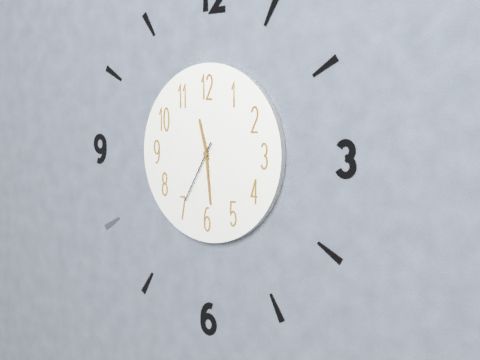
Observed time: 11:29:35
